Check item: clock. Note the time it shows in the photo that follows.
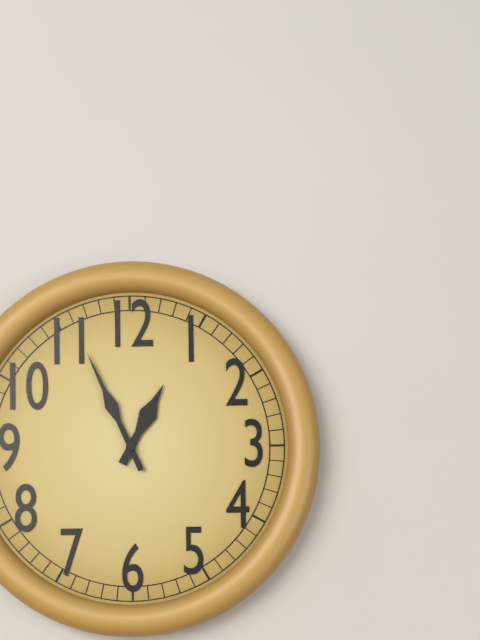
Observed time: 12:56
